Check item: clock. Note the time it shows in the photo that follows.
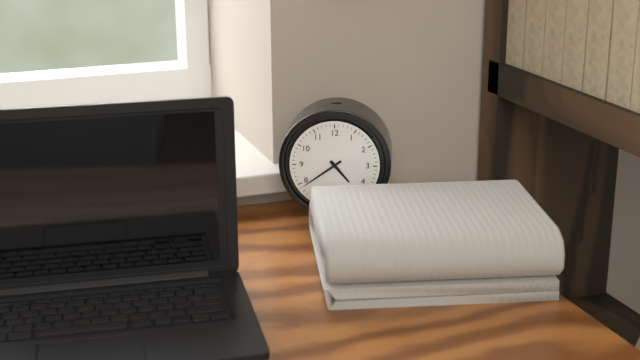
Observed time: 4:39
